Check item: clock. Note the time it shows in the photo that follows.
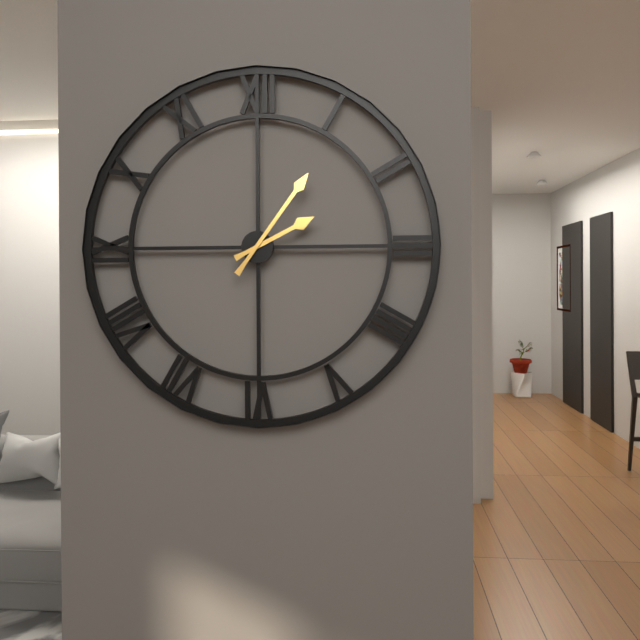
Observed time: 2:06
